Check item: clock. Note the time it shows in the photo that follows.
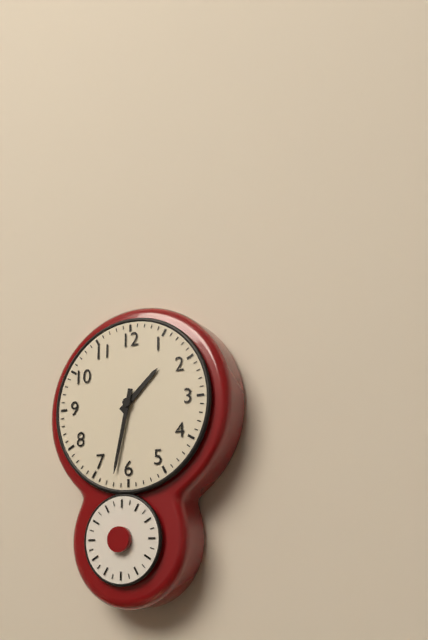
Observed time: 1:32
